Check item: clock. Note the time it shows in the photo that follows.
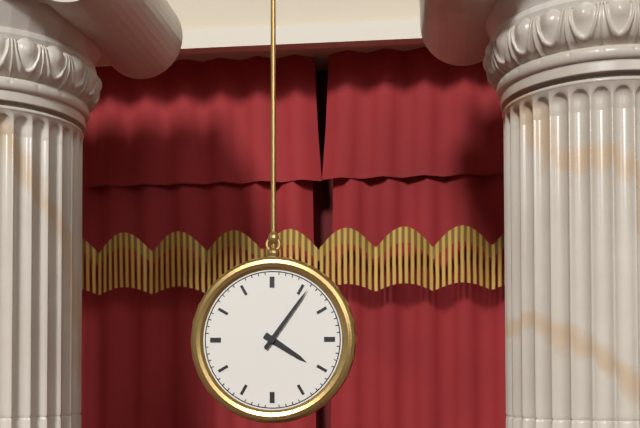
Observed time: 4:06
